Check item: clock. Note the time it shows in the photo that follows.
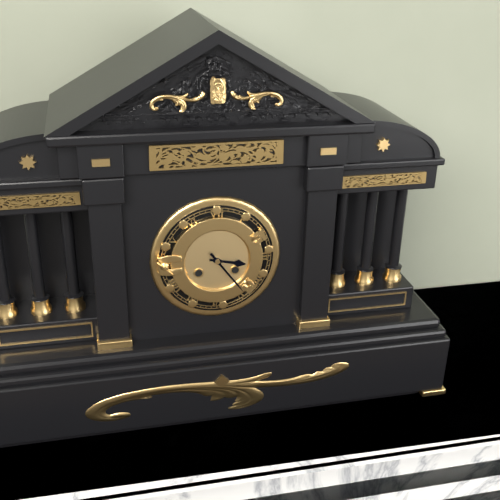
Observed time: 3:24
